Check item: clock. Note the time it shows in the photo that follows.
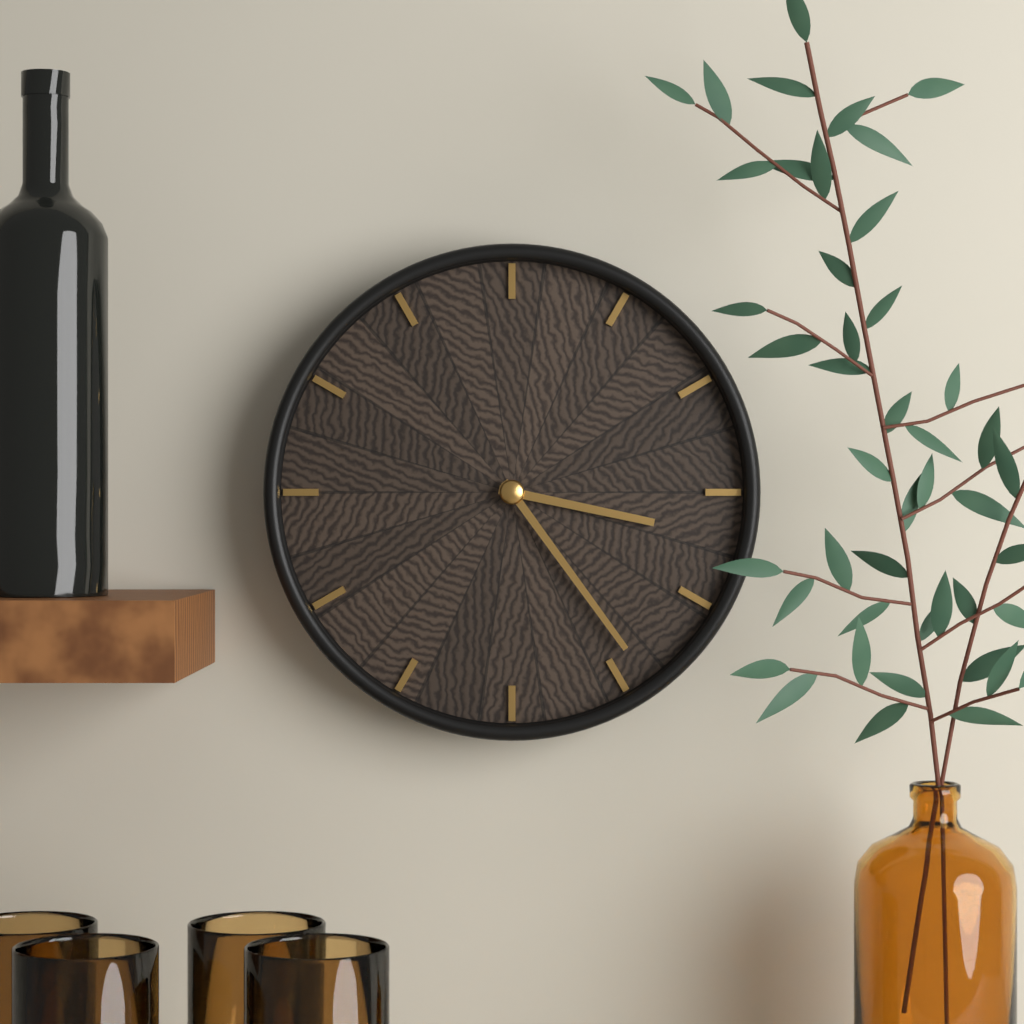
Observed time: 3:24
